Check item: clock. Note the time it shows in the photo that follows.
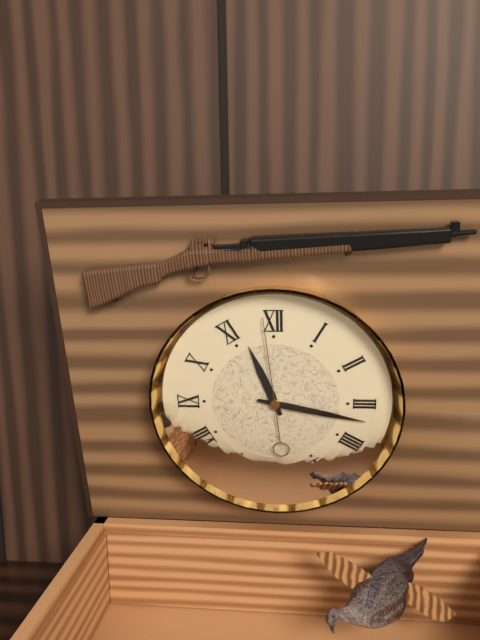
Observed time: 11:17:59
